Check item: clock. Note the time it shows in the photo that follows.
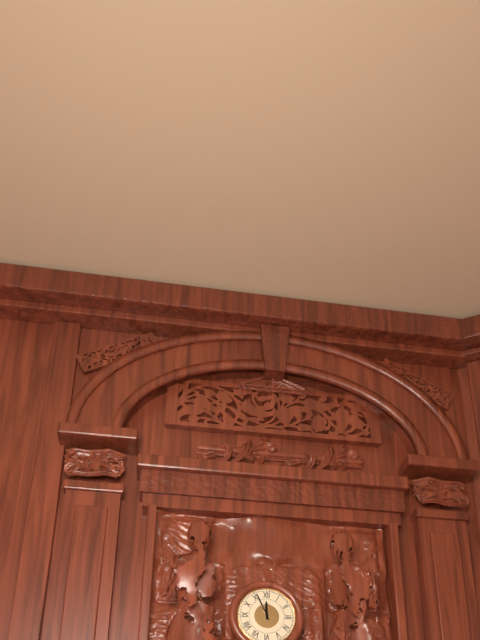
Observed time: 11:56
